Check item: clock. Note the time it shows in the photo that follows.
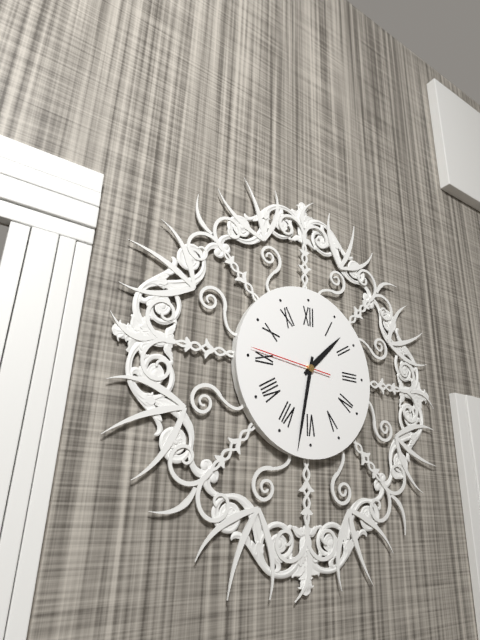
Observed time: 1:32:46
